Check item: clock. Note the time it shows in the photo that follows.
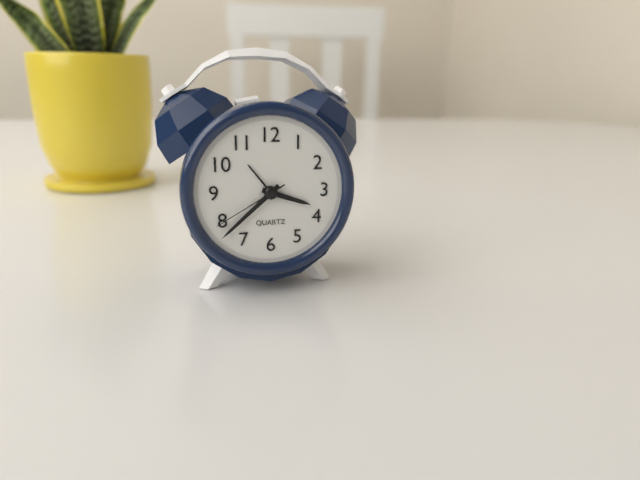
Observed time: 3:38:40
